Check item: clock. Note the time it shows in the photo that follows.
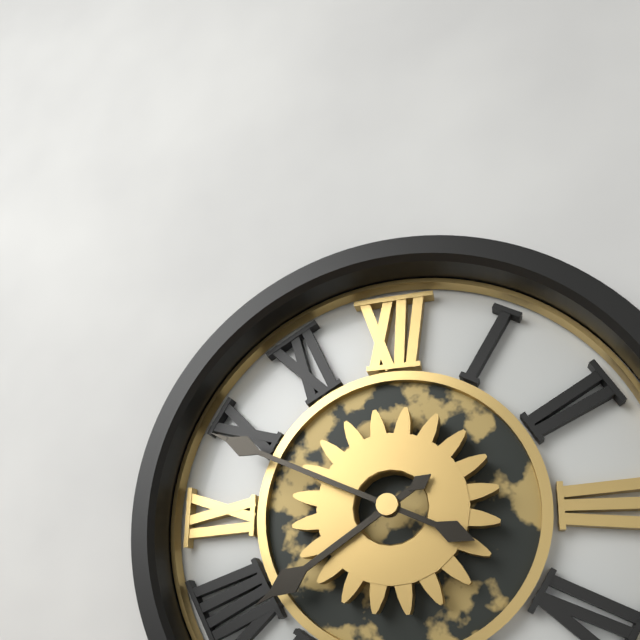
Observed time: 7:49
